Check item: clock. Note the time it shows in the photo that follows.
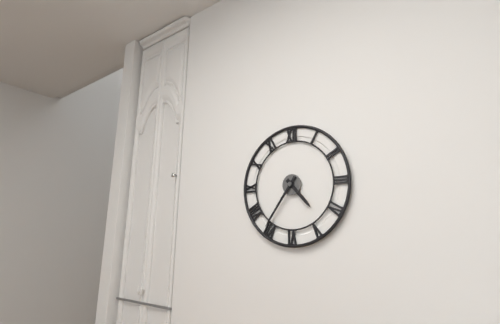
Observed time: 4:36
